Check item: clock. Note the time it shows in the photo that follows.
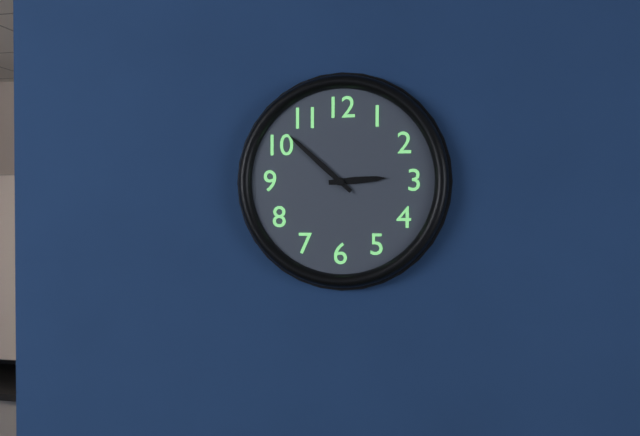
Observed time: 2:52
